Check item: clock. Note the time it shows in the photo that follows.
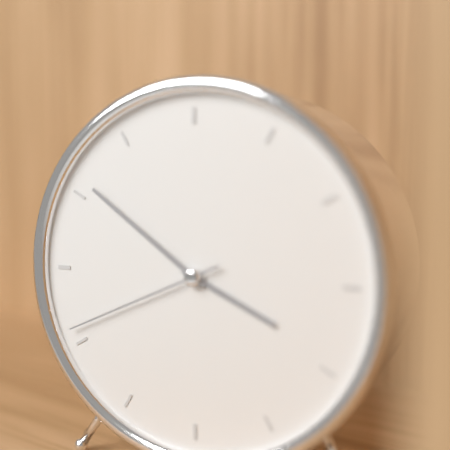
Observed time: 3:51:41
